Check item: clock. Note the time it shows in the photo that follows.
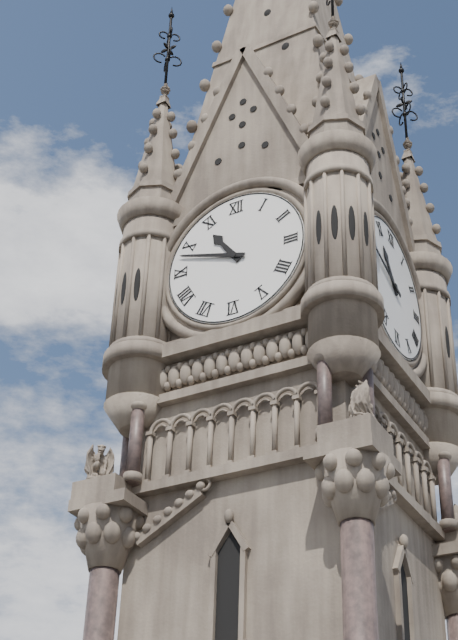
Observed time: 10:48
